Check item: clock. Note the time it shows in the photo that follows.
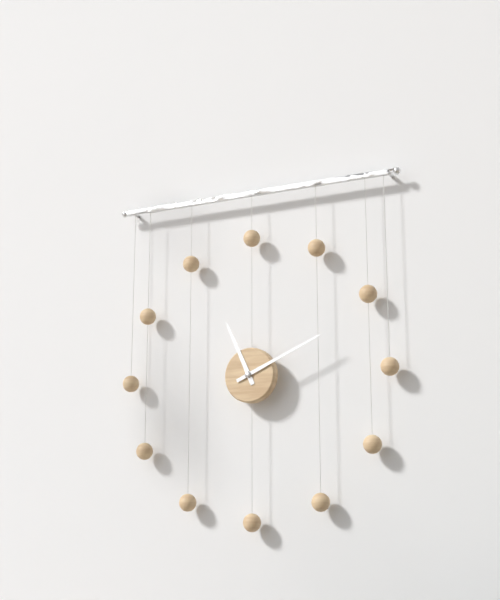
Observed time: 11:11
